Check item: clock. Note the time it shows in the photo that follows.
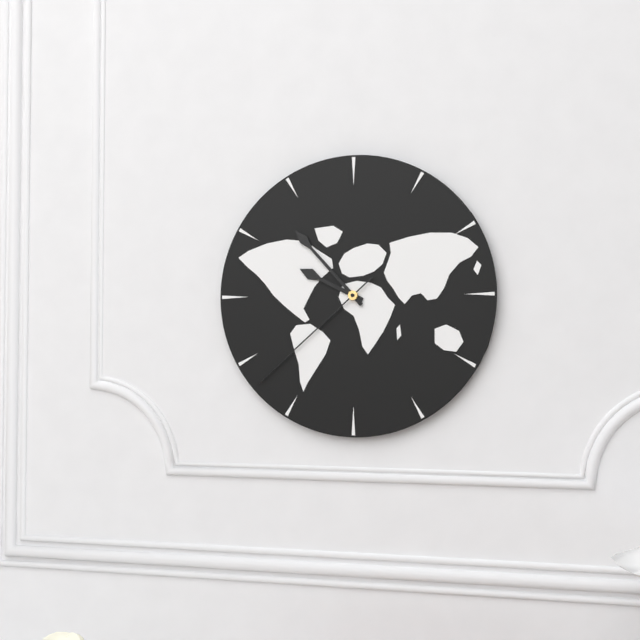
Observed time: 9:53:38
